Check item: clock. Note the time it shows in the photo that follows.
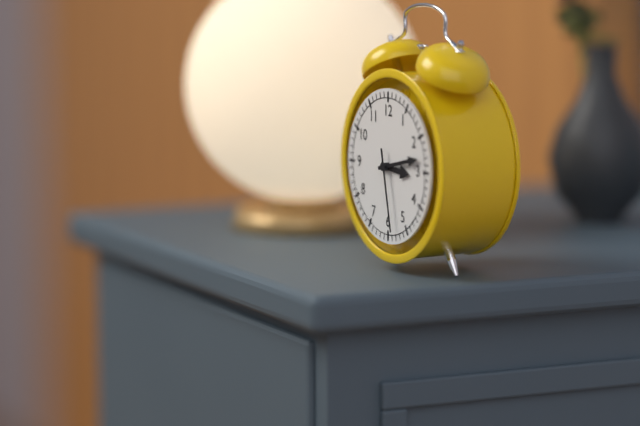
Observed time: 3:13:28
